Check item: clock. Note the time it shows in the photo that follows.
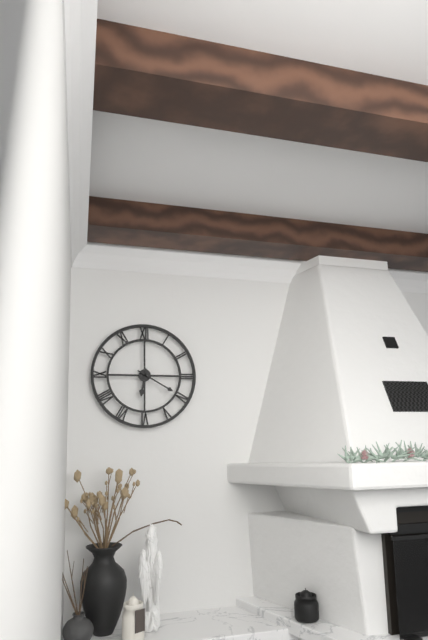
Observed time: 6:20
